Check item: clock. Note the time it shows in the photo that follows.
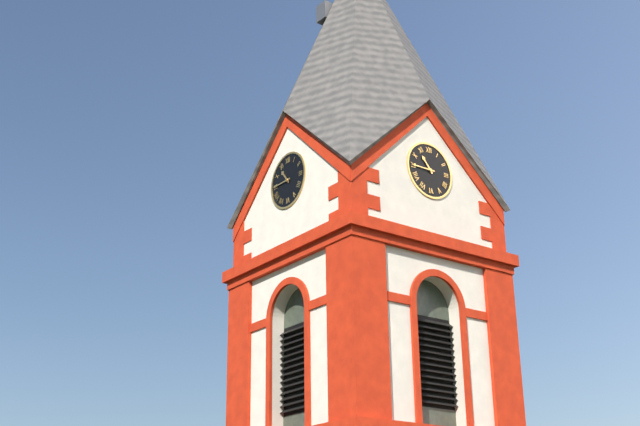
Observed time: 10:45
